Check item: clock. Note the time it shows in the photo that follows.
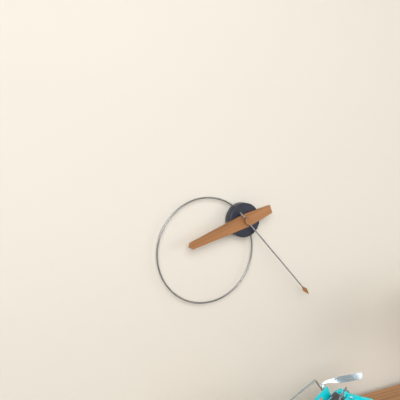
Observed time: 8:23
